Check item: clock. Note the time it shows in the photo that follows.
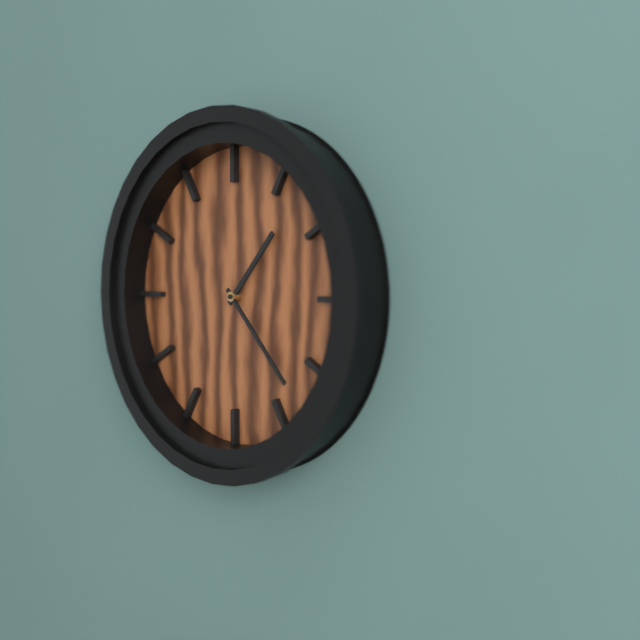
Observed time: 1:23
